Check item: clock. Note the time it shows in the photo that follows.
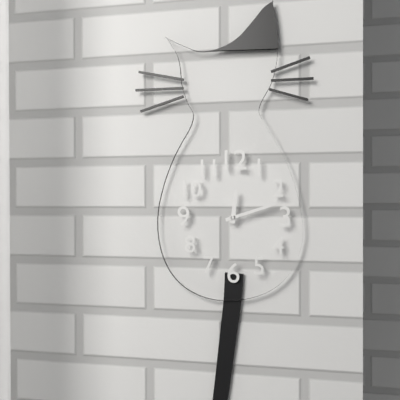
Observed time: 12:12
